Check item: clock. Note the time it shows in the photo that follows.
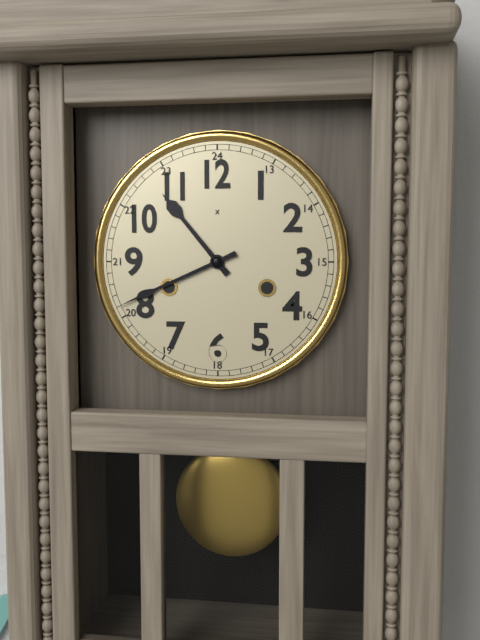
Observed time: 10:41
